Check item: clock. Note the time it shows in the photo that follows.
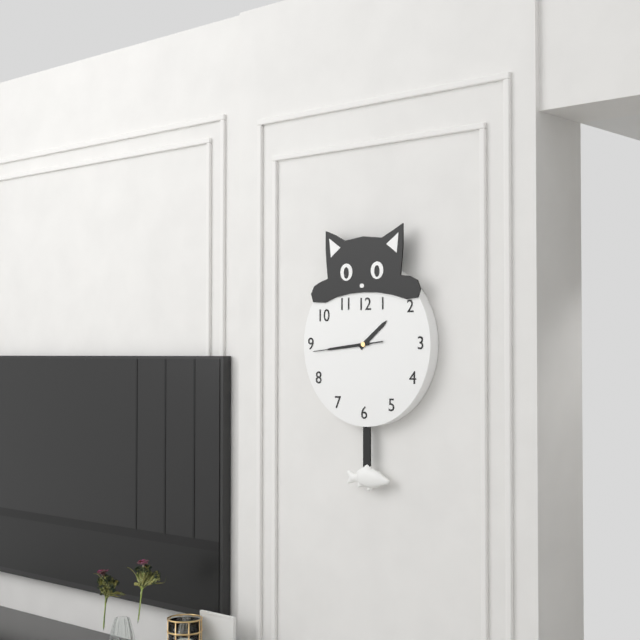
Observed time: 1:44:44
